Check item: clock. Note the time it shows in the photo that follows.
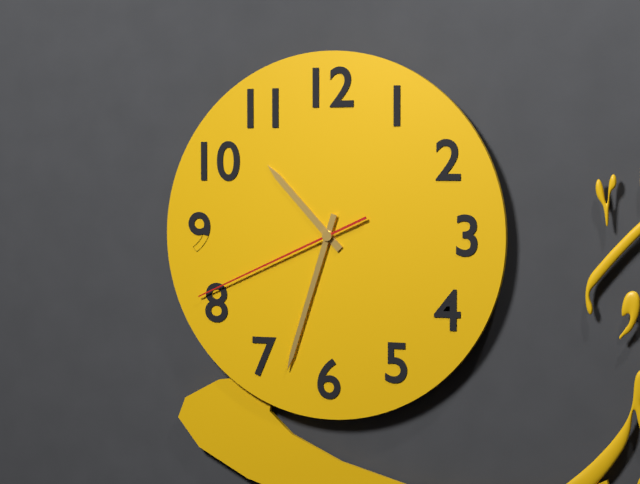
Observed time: 10:33:41
